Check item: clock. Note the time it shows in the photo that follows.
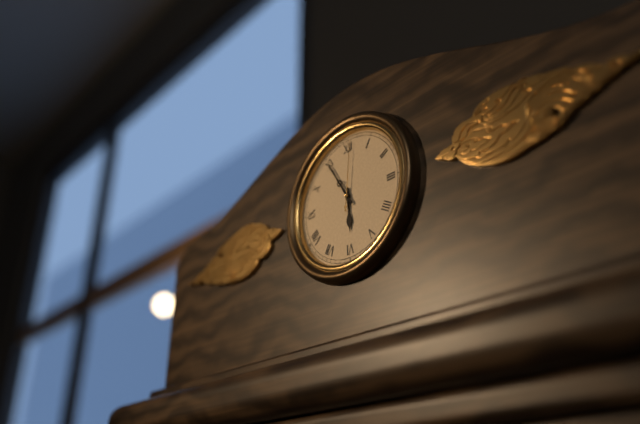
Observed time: 5:55:01
